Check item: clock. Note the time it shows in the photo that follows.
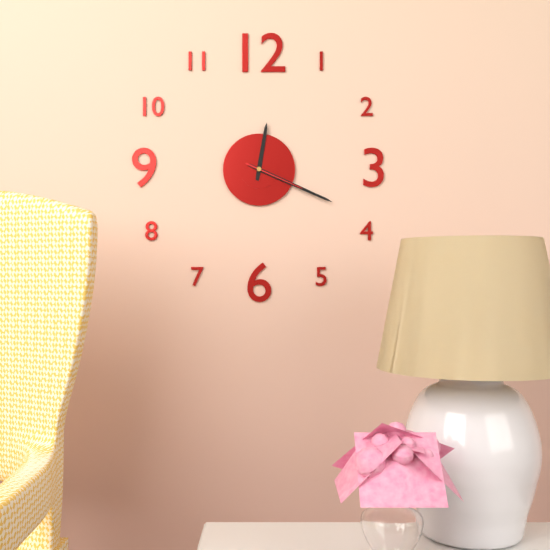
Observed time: 12:19:19
